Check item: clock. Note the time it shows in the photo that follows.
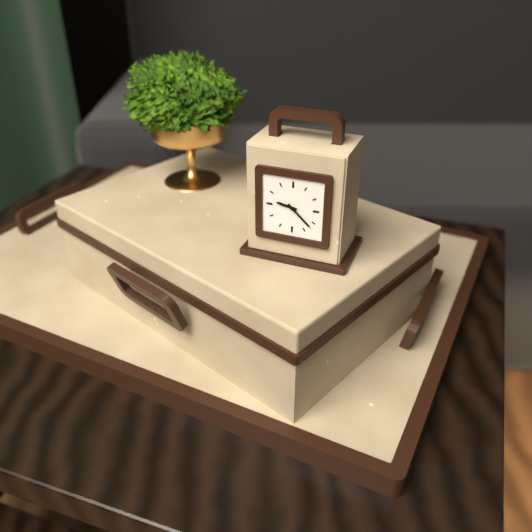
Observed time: 9:22
